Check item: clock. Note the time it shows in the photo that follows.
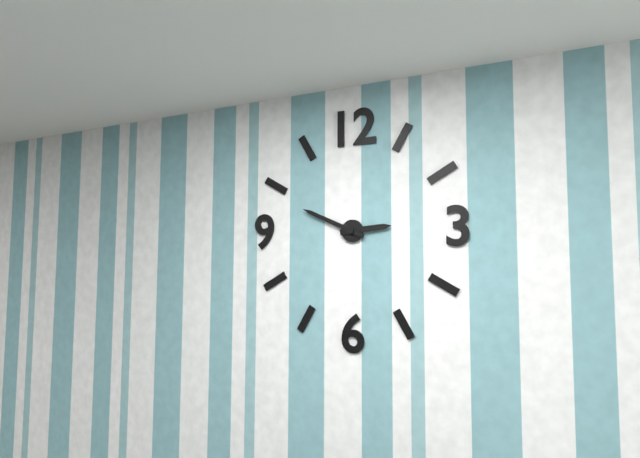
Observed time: 2:49
